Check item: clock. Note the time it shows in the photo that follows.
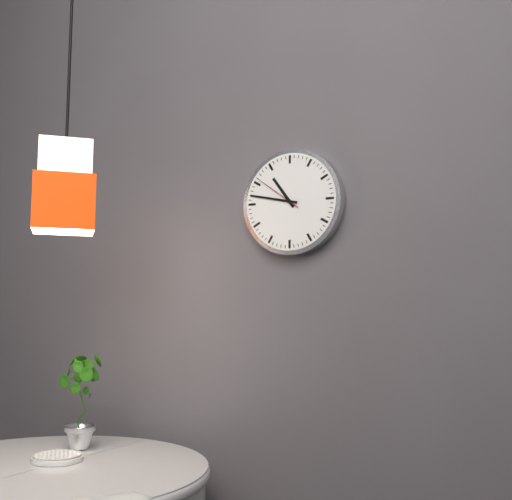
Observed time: 10:47
